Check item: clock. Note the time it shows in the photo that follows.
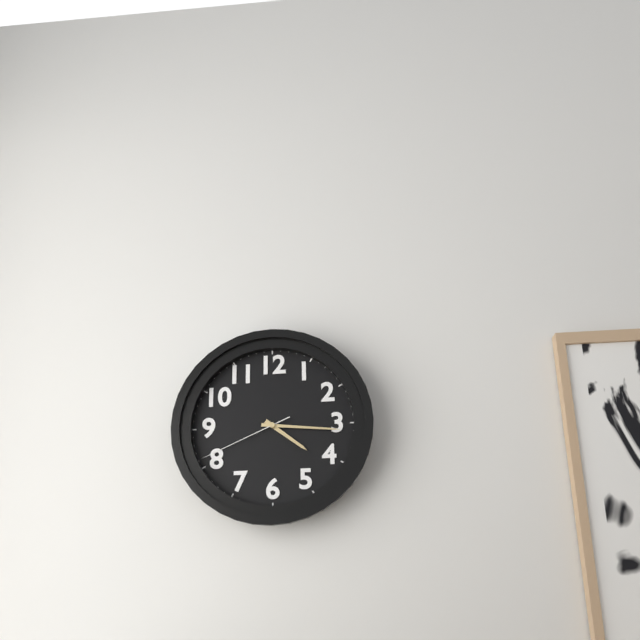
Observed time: 4:16:41
